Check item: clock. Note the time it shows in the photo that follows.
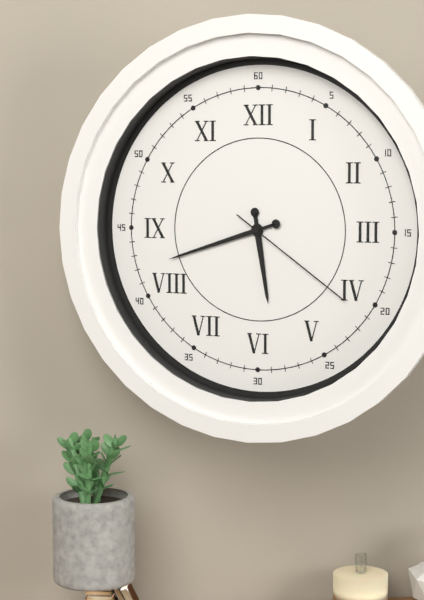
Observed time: 5:42:21
